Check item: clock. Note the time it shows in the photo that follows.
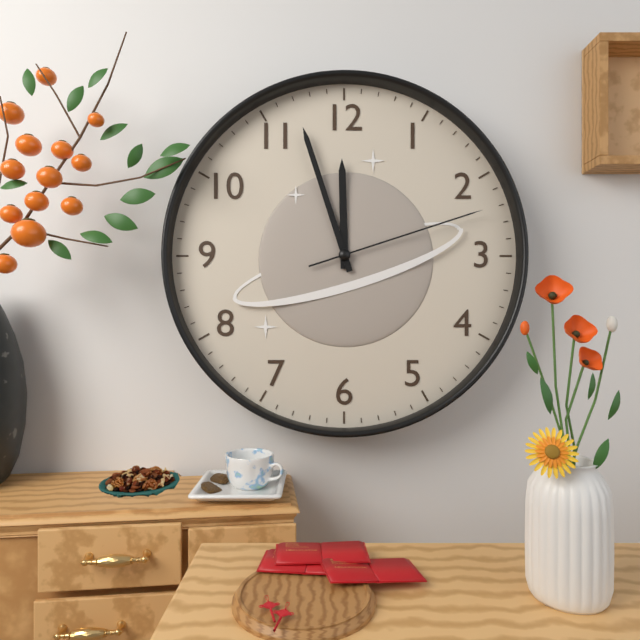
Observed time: 11:57:12
